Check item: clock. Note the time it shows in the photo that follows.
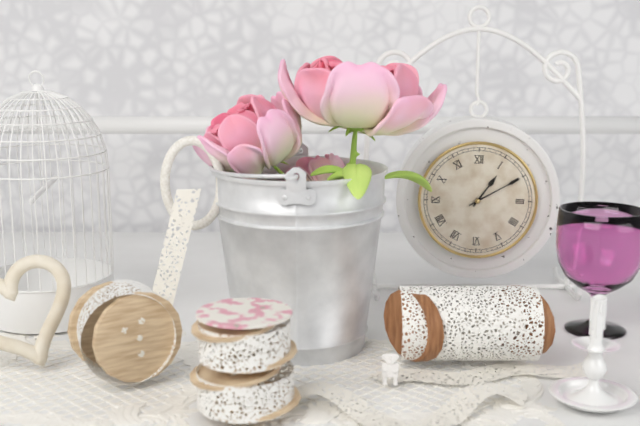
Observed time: 1:10
